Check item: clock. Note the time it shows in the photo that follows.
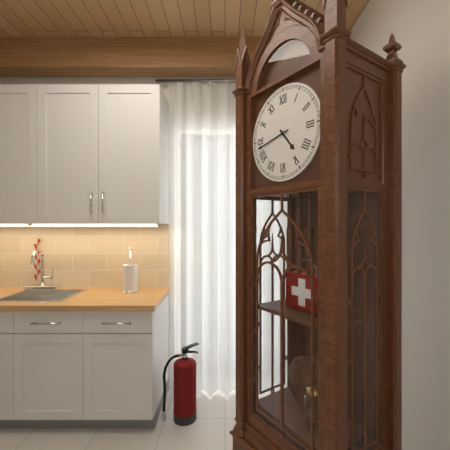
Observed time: 4:43
